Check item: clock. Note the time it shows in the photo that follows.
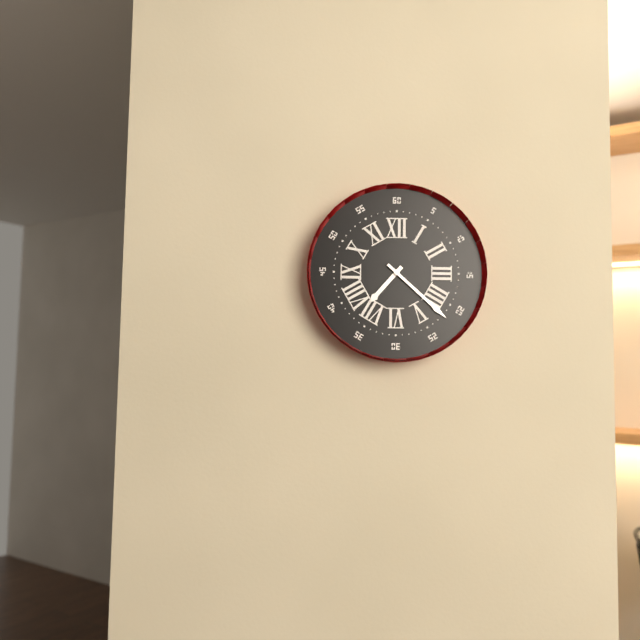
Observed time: 7:22
